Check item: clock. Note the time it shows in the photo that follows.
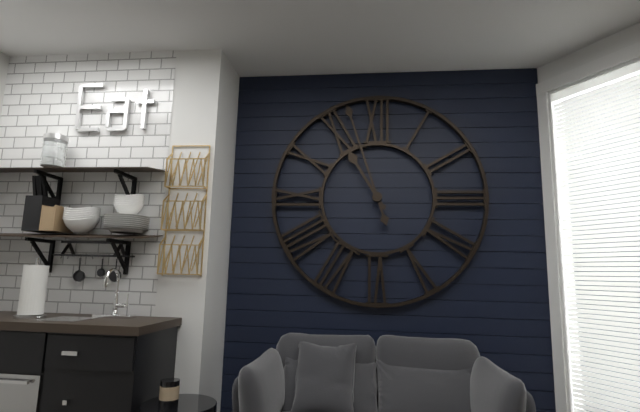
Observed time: 10:57
